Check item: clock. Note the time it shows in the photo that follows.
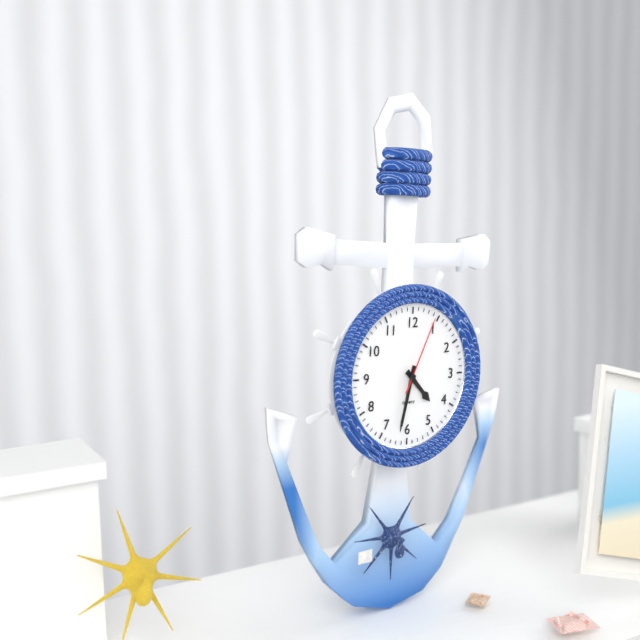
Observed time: 4:32:04
